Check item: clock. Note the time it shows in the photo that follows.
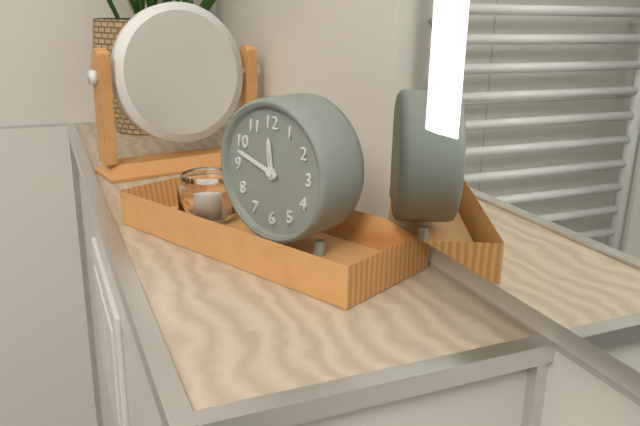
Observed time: 11:48
